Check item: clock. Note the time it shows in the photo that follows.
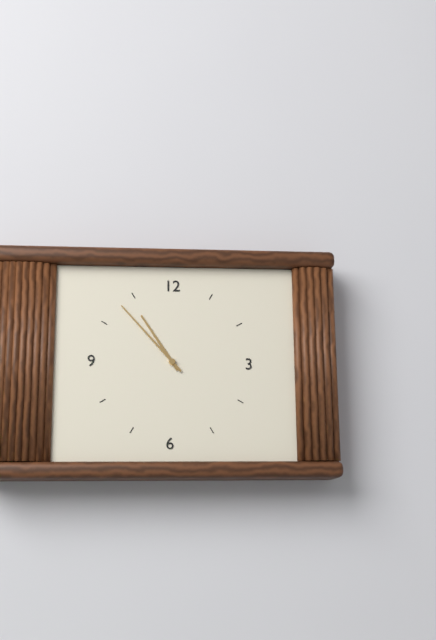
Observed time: 10:53
